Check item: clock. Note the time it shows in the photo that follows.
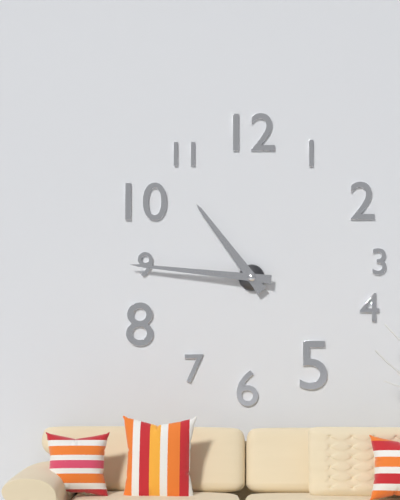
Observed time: 10:46
